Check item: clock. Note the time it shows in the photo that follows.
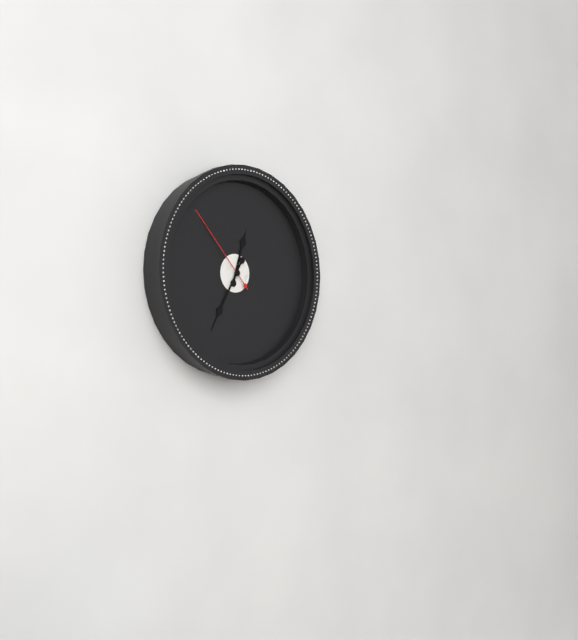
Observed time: 12:35:53
